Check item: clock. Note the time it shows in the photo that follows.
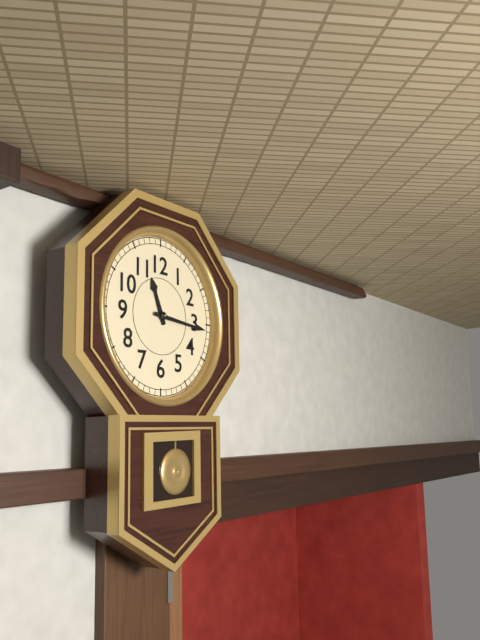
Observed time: 11:16
